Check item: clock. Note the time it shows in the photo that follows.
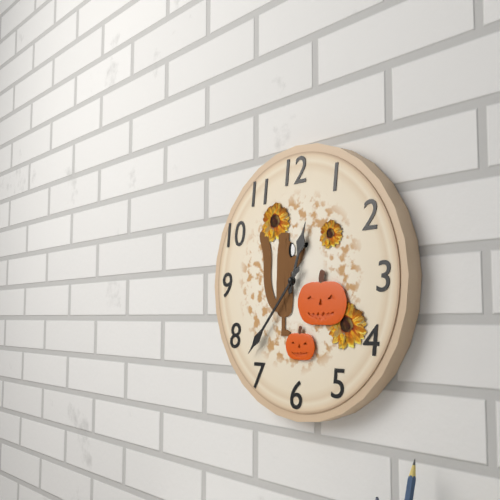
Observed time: 12:37
